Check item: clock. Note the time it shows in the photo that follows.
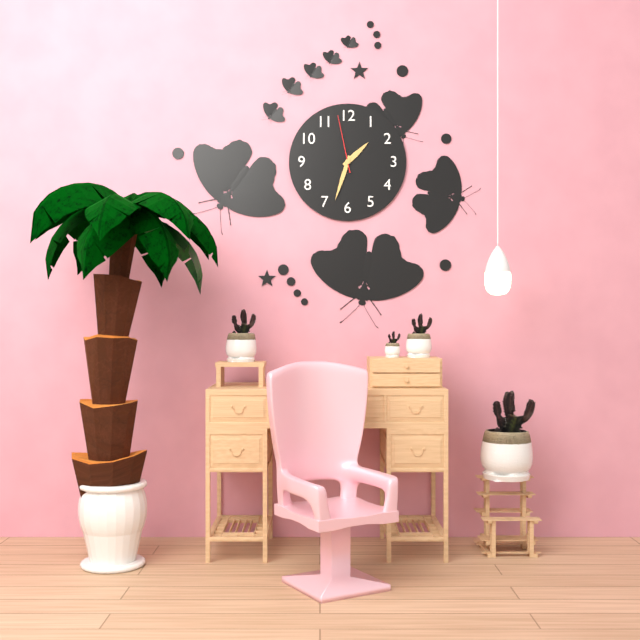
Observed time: 1:33:58
